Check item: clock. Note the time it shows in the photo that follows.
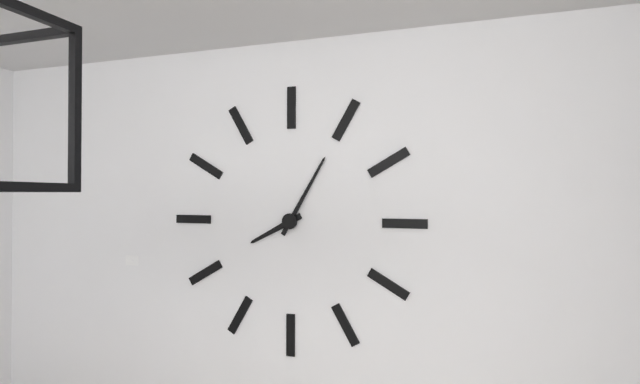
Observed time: 8:05
